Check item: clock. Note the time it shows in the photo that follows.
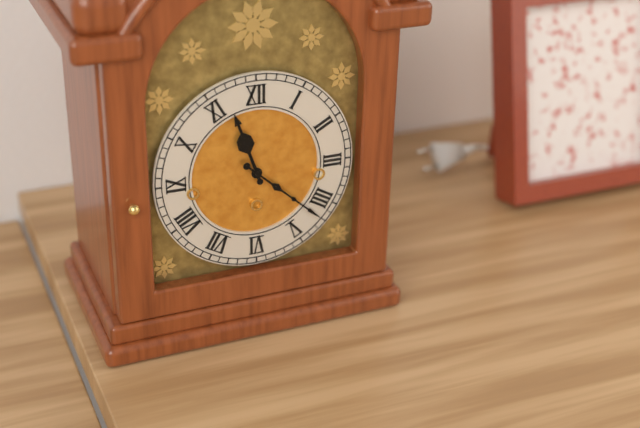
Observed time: 11:22
